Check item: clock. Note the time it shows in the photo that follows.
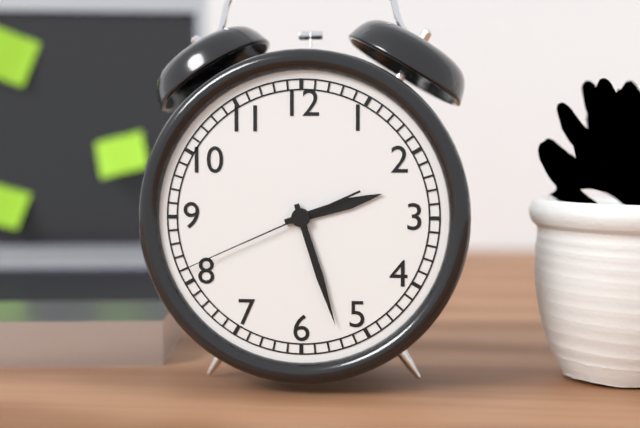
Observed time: 2:27:41
